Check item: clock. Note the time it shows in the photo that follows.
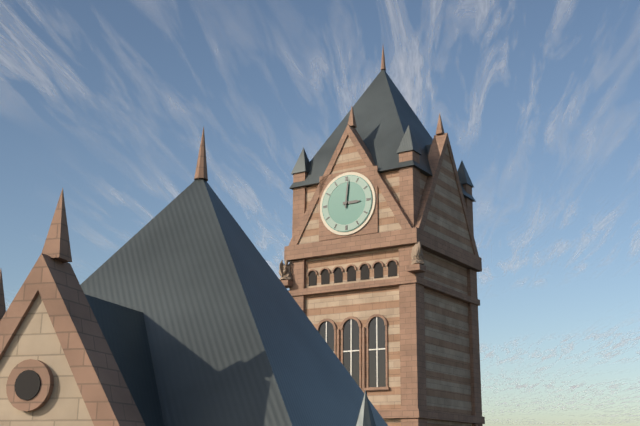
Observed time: 3:01
